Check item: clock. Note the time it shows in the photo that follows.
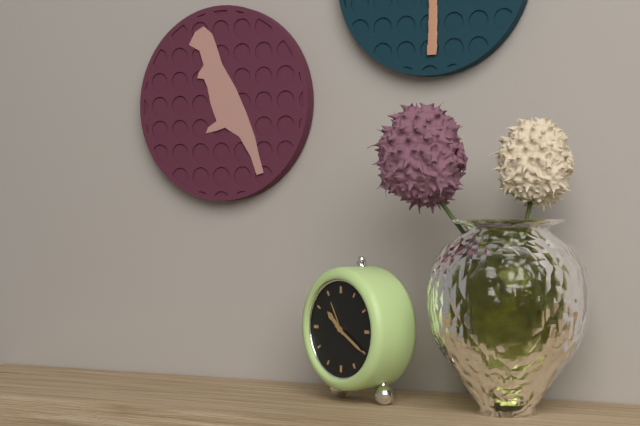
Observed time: 10:20
